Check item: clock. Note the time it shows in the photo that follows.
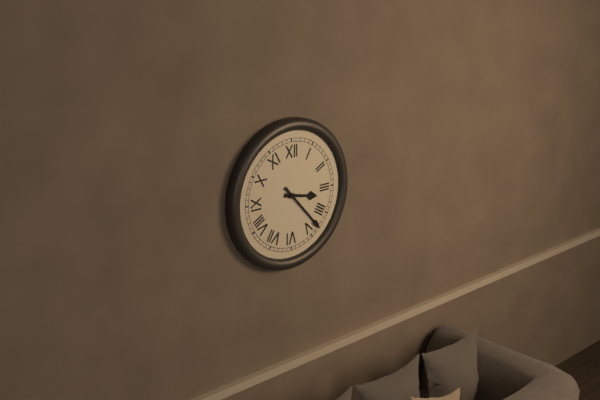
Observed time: 3:23
